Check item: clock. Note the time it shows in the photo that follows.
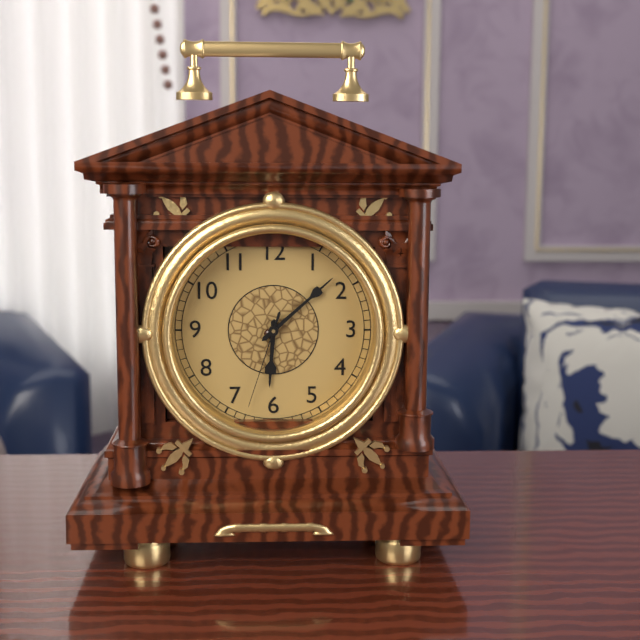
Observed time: 6:08:33
